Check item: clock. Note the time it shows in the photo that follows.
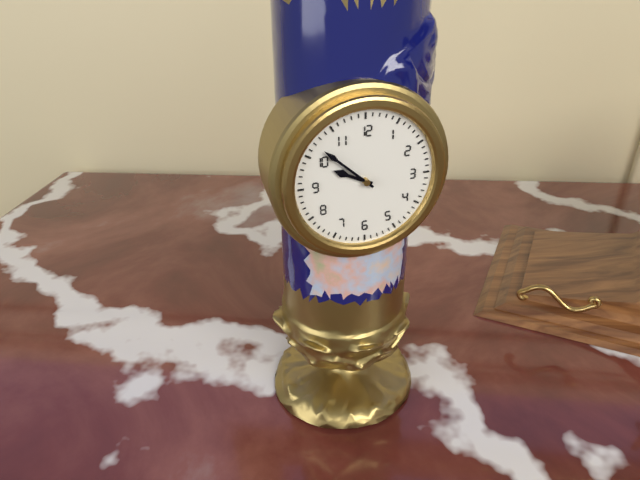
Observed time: 9:52
